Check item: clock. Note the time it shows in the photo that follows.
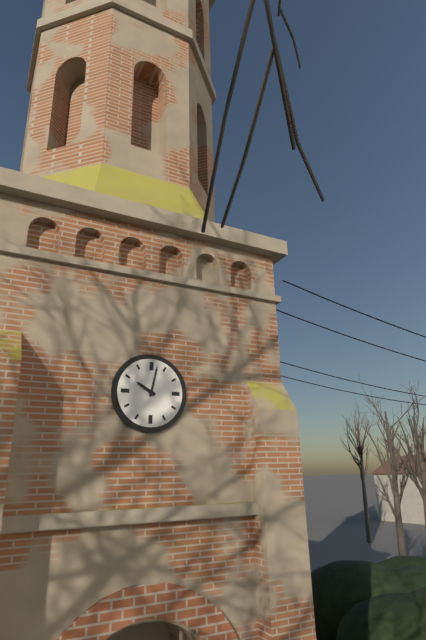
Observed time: 10:02
